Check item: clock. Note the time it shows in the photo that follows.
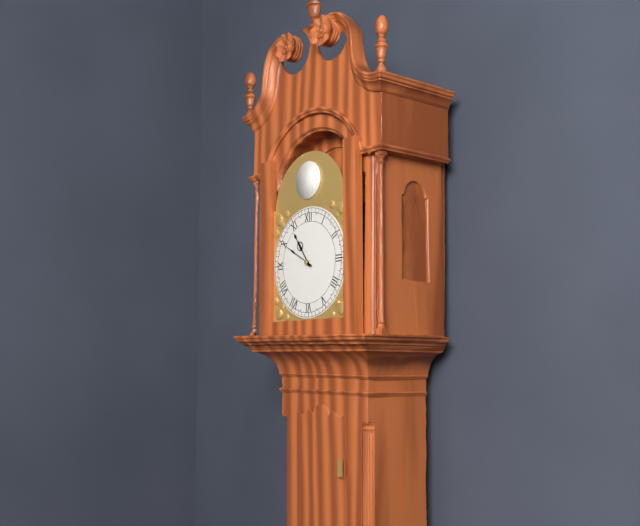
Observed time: 10:50
